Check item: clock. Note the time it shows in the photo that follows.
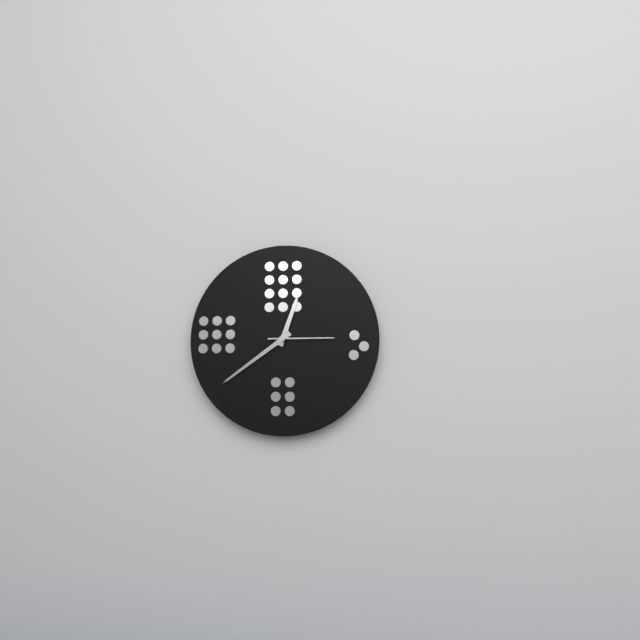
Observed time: 12:39:15
